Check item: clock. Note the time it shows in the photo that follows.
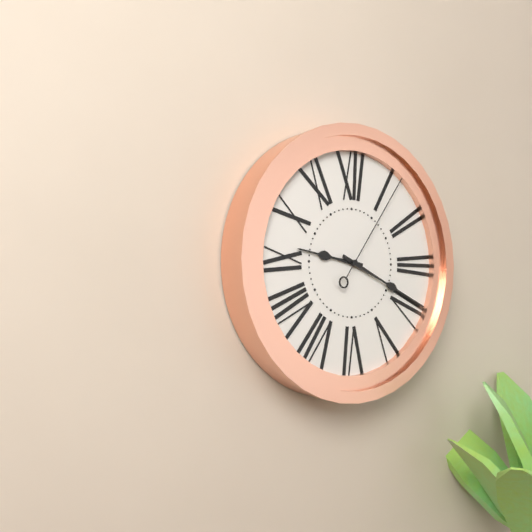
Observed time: 9:19:06
